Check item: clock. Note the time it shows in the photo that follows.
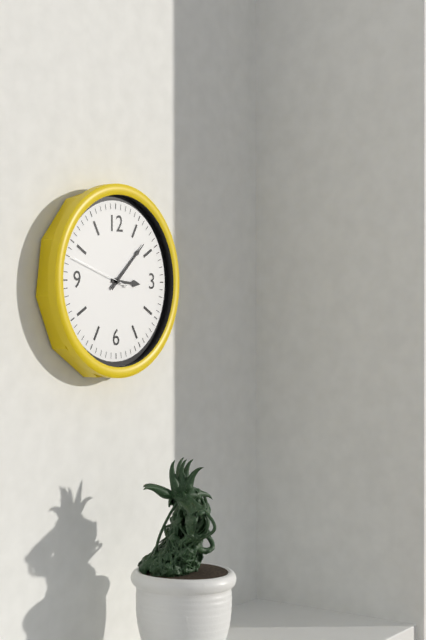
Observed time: 3:08:48
